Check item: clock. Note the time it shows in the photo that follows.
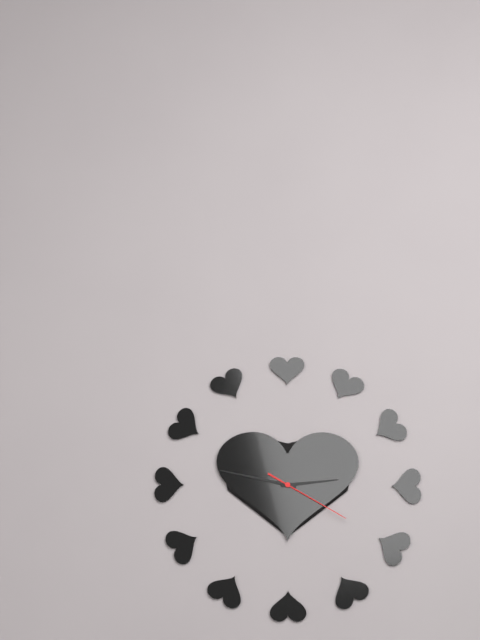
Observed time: 2:47:20
